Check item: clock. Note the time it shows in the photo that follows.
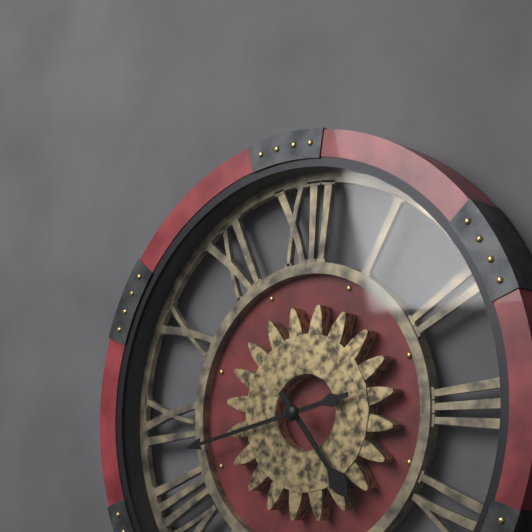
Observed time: 4:43
